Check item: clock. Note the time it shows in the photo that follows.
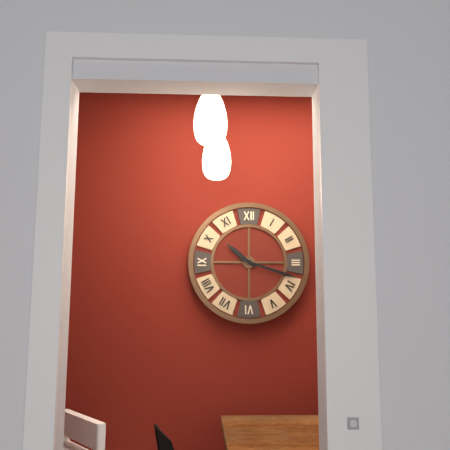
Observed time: 10:18
